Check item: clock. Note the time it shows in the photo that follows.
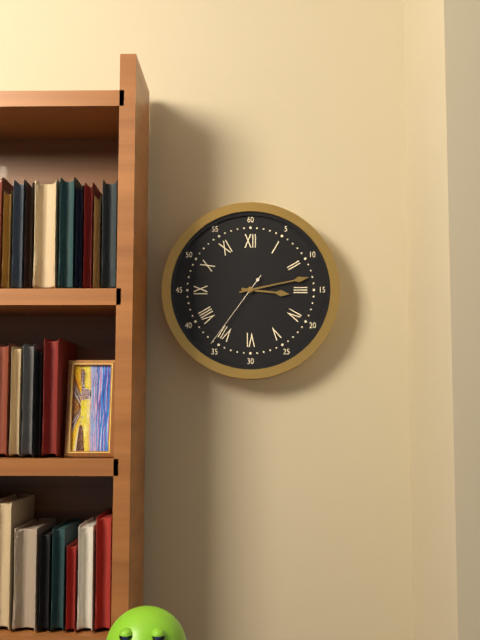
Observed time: 3:13:36
